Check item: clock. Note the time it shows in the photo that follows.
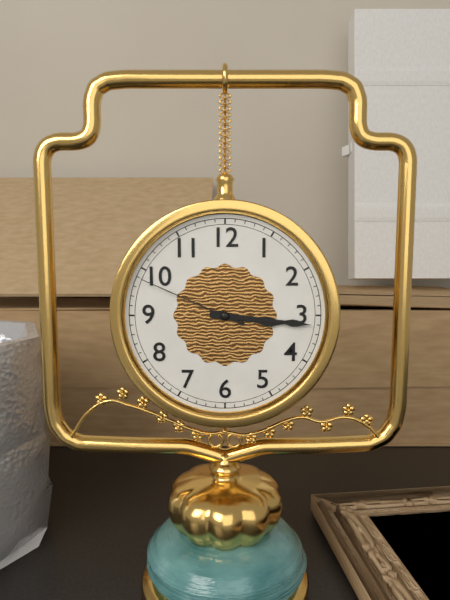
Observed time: 3:16:49
